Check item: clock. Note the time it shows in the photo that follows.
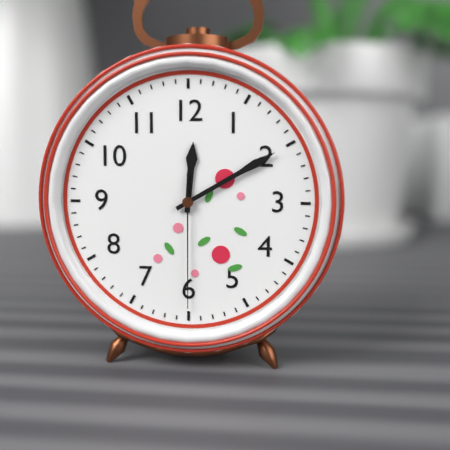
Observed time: 12:10:30
